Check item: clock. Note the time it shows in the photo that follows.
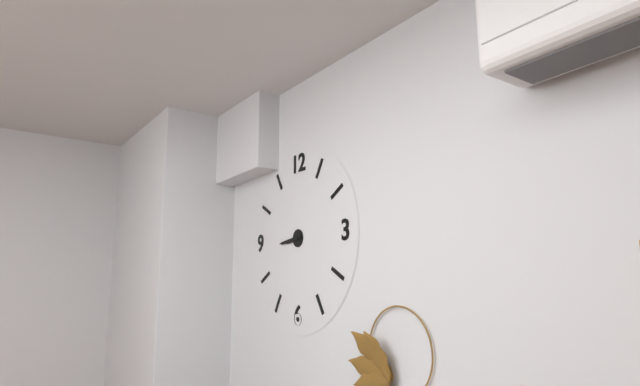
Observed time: 8:44
